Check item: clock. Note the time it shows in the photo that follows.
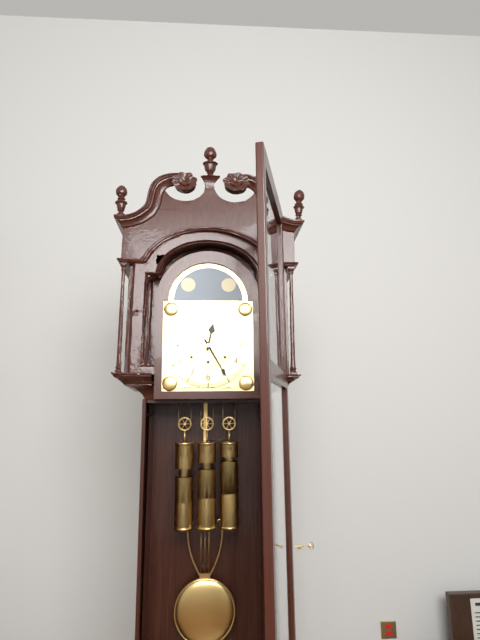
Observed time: 12:25
